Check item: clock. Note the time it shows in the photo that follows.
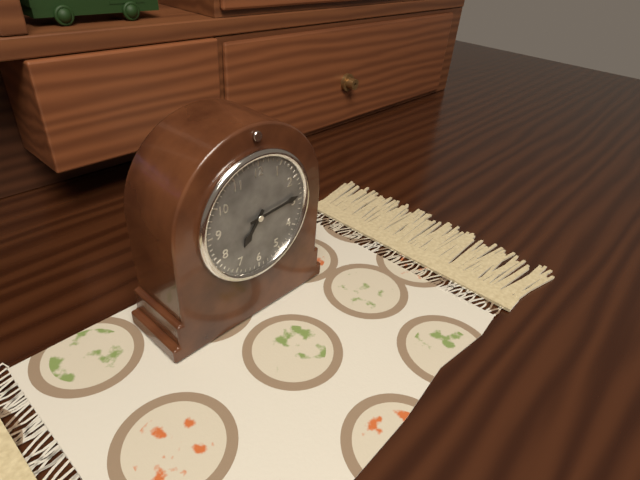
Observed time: 7:14
